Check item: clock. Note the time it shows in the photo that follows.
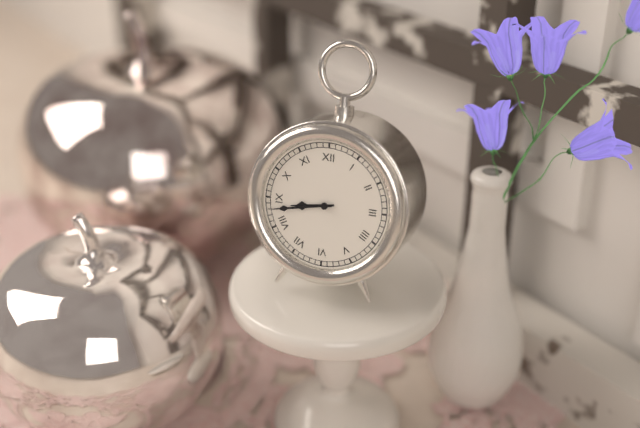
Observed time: 8:43
